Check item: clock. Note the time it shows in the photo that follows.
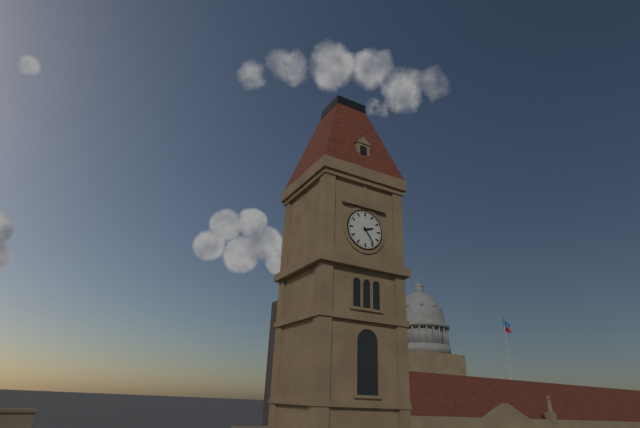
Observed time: 2:24
